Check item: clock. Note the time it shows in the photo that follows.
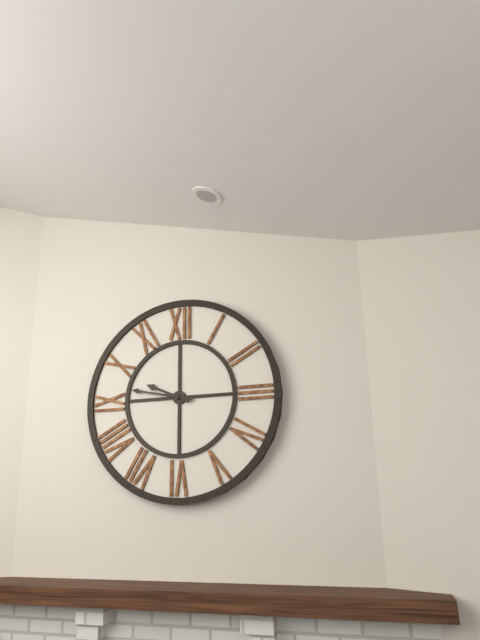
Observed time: 9:47
